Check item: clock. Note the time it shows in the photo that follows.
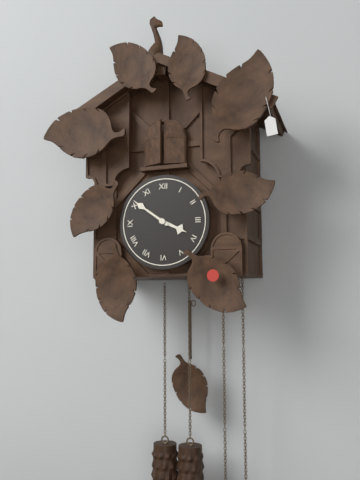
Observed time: 3:51
